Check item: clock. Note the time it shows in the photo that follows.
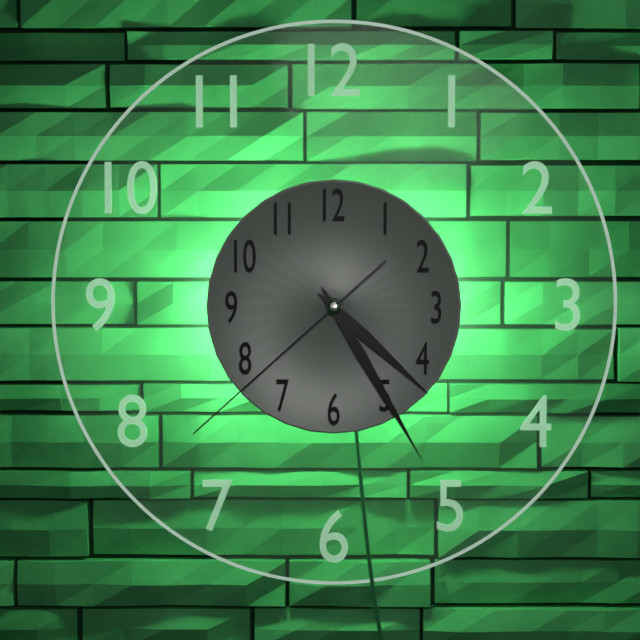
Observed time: 4:25:38
